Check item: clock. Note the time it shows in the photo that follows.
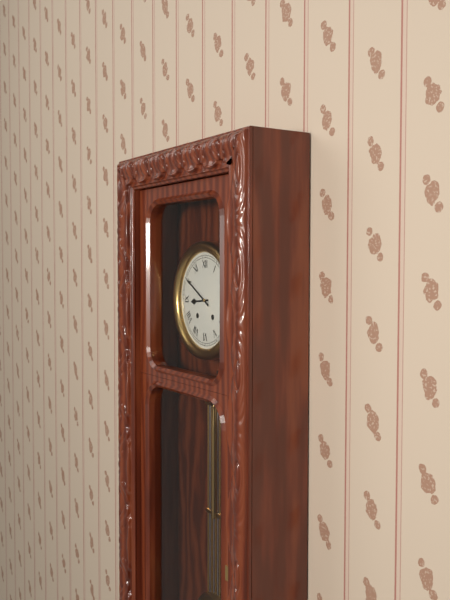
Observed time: 8:50
